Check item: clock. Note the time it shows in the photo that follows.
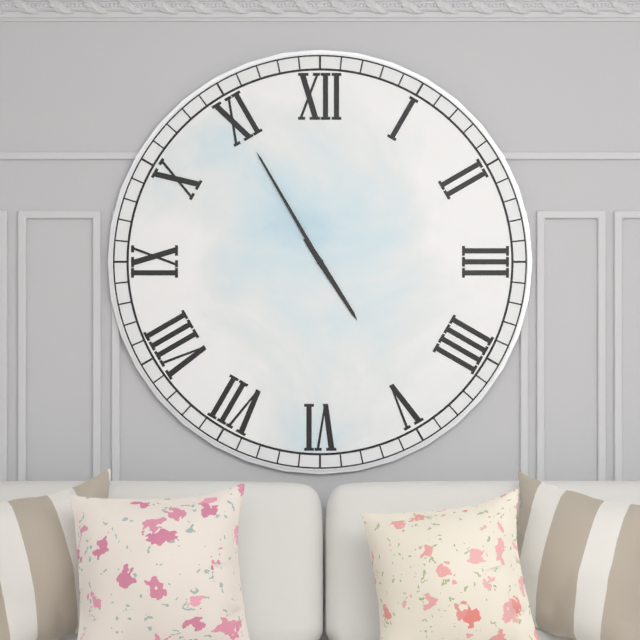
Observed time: 4:55
